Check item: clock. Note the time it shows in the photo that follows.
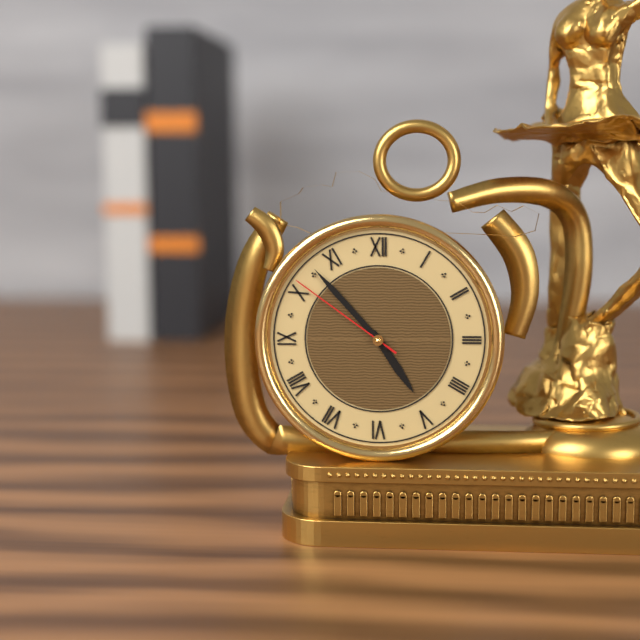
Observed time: 4:53:51
